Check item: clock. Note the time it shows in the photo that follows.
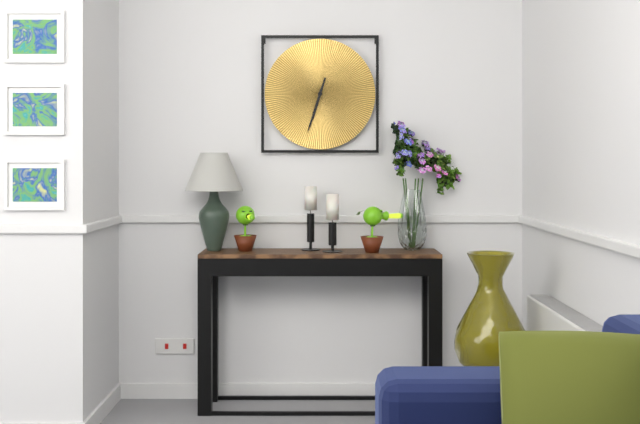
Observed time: 6:33
